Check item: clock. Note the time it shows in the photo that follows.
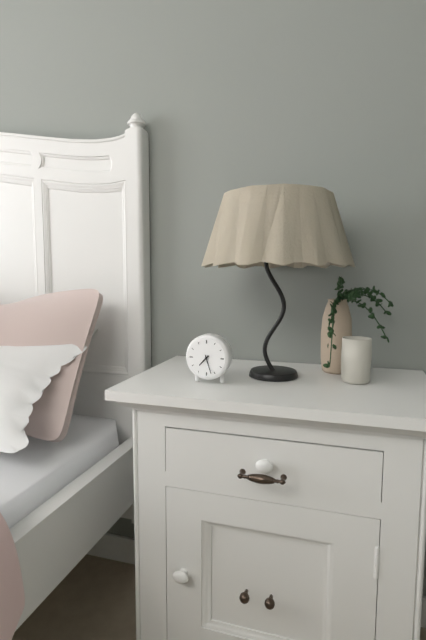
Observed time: 7:27
